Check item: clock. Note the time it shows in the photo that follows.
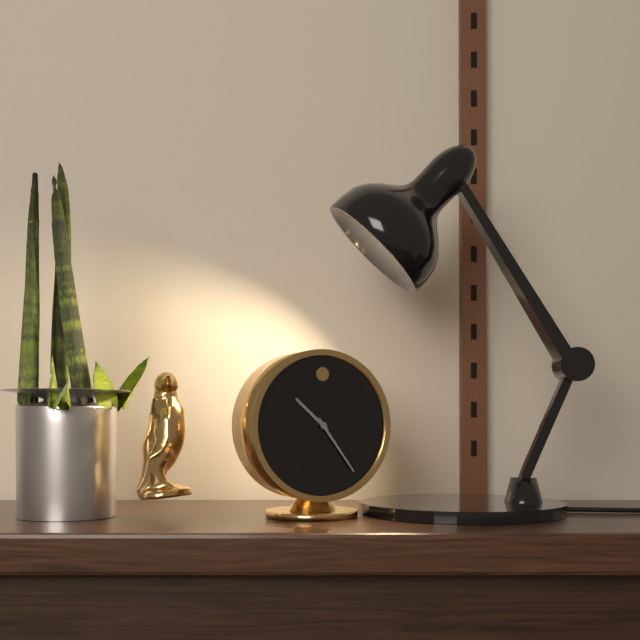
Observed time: 10:24
